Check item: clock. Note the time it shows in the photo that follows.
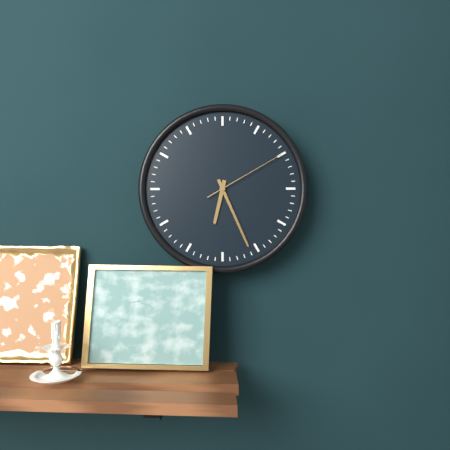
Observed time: 6:26:10
